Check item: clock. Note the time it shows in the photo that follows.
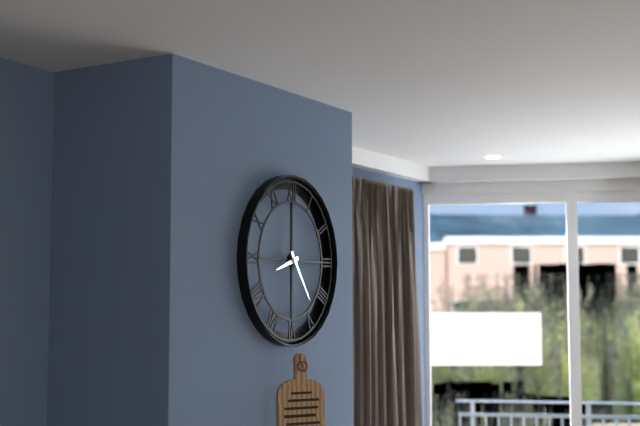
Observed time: 8:24
